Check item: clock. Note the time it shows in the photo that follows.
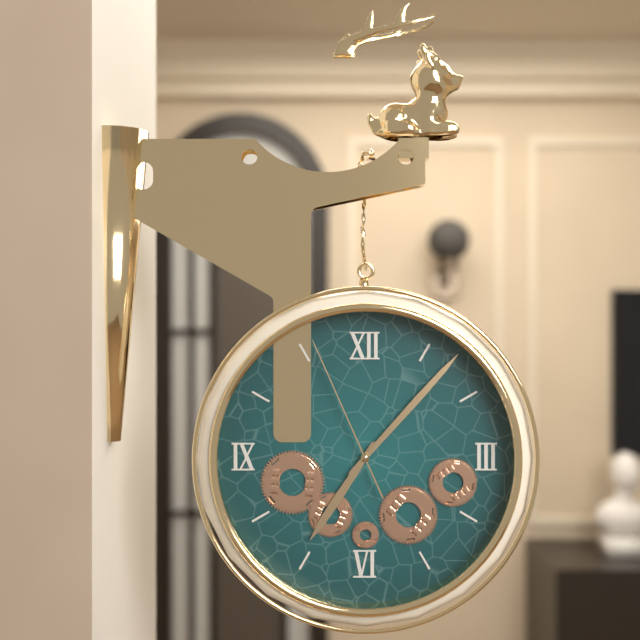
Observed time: 7:07:56
